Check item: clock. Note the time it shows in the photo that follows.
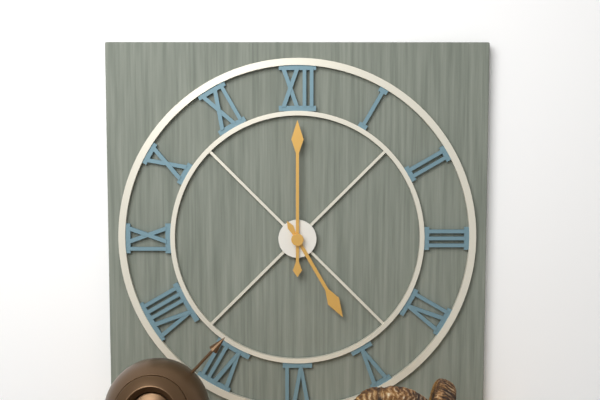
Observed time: 5:00
